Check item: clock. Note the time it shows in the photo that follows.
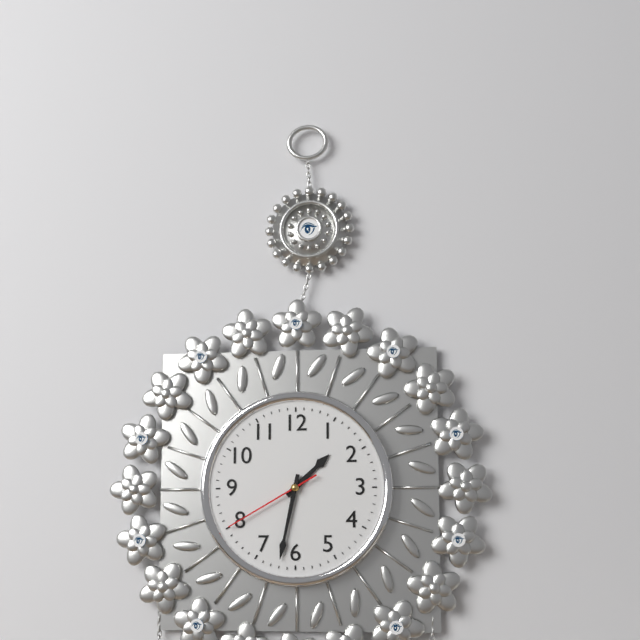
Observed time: 1:32:40
